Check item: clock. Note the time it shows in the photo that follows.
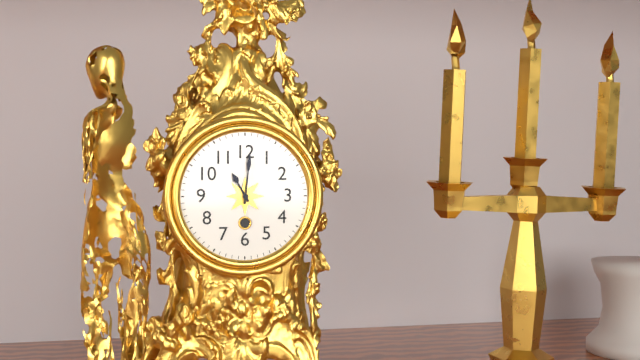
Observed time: 11:01
